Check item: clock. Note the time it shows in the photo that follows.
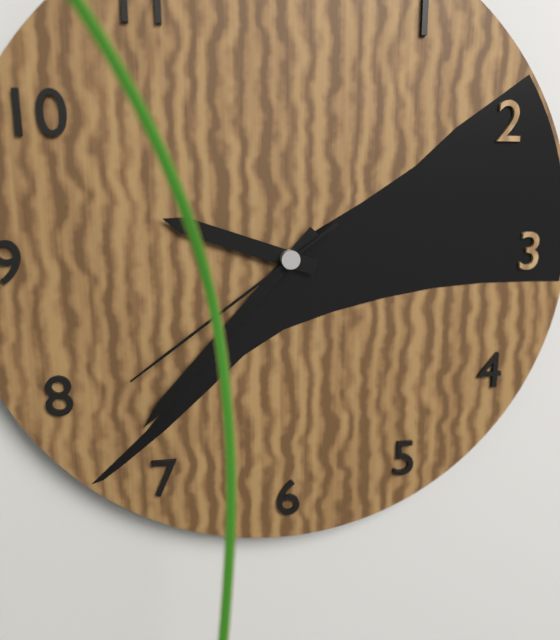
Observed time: 9:37:39
